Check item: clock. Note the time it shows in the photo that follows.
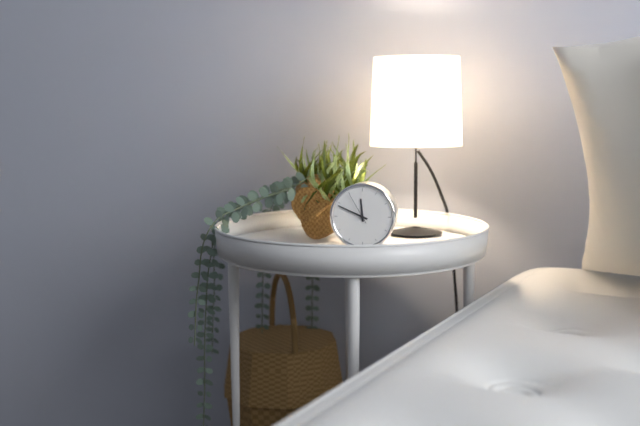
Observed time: 11:49
